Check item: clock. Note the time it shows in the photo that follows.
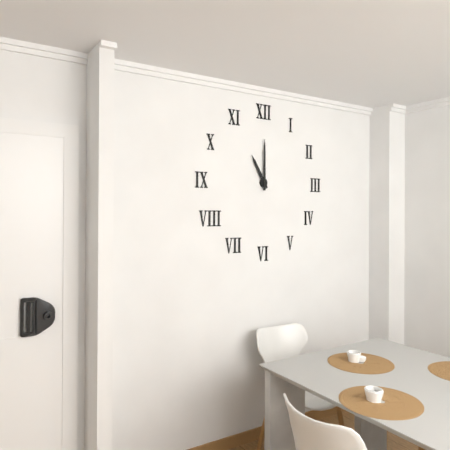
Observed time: 11:00
